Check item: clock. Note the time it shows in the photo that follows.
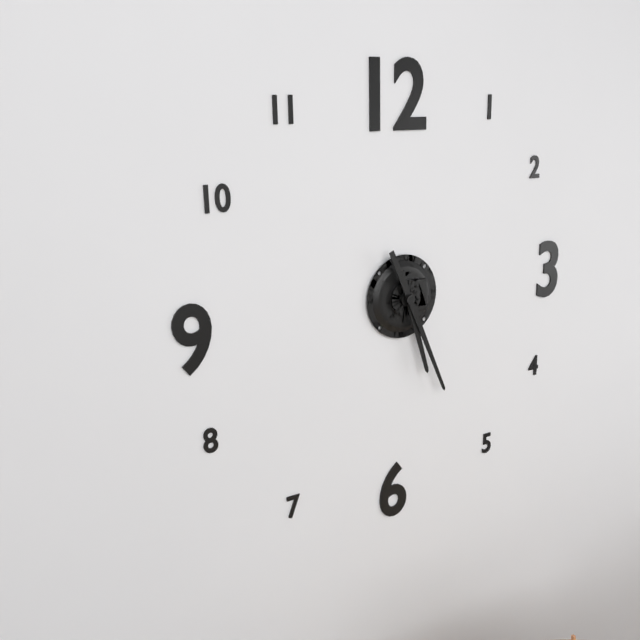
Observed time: 5:26
